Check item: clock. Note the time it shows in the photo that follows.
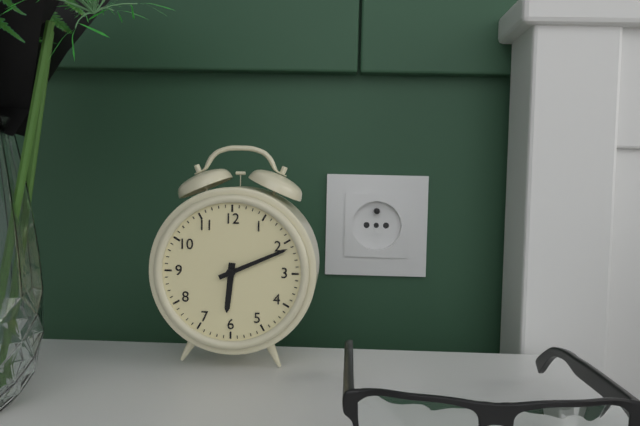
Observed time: 6:11
